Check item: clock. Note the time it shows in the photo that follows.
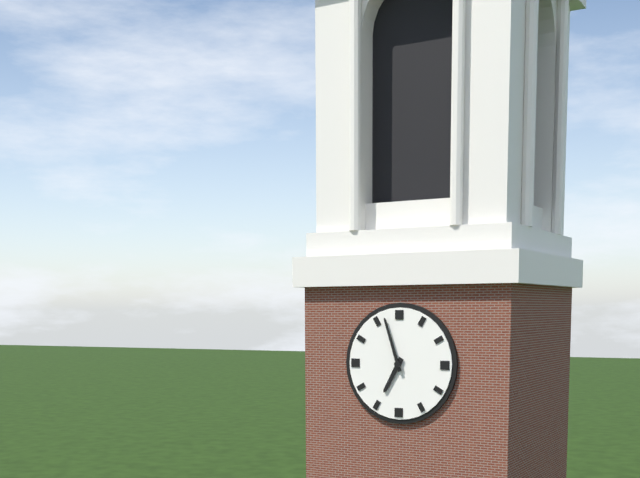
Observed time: 6:57
